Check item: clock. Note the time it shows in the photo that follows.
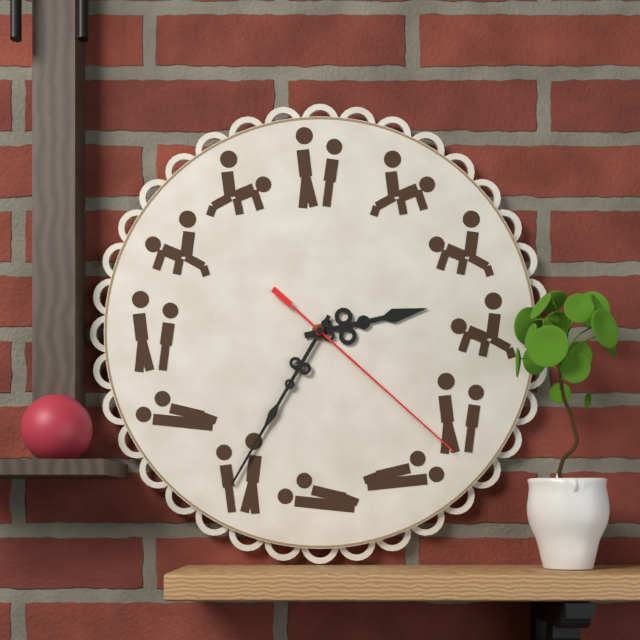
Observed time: 2:35:22
